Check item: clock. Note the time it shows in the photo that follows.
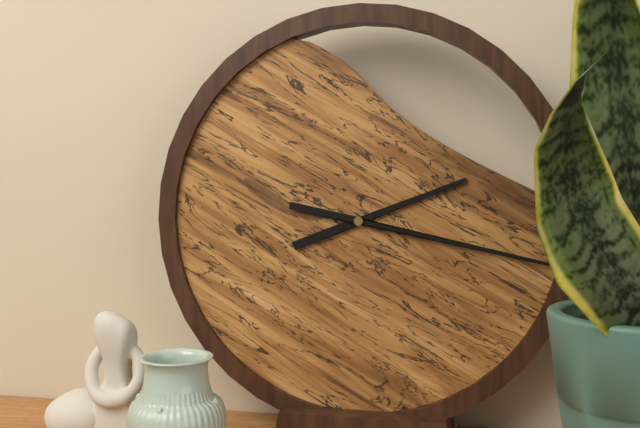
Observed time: 2:17
